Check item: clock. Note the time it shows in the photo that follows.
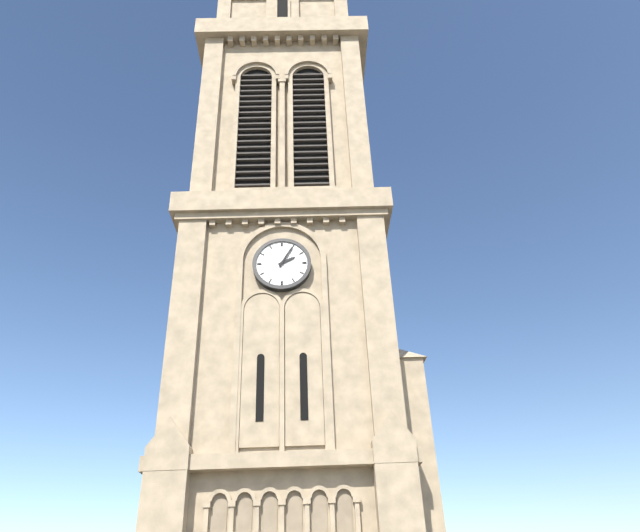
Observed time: 2:05
